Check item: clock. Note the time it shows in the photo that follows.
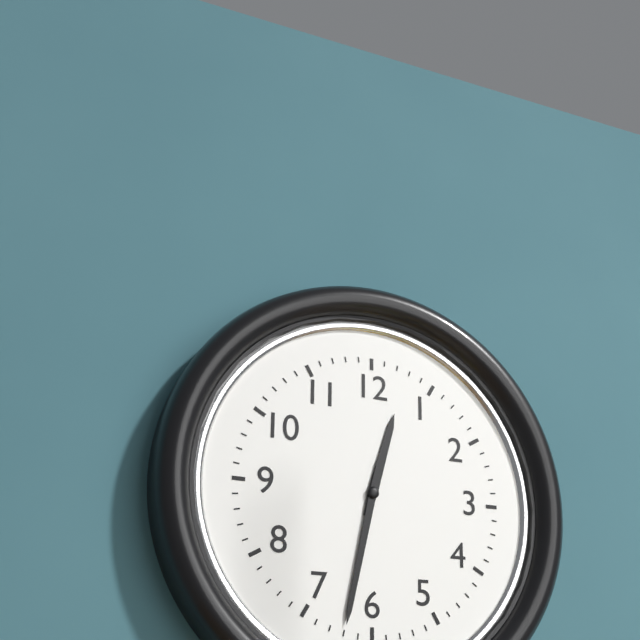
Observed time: 12:32
